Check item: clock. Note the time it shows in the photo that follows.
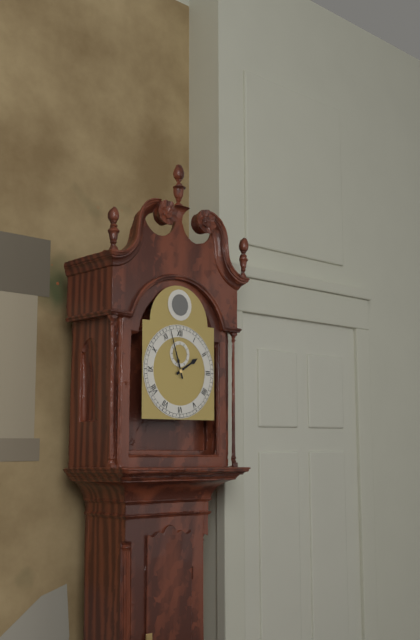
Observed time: 1:57
